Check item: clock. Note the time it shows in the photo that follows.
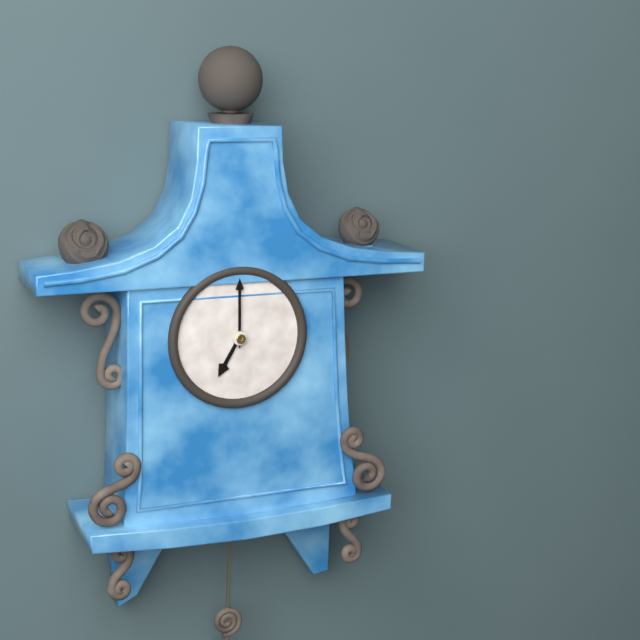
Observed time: 7:00
